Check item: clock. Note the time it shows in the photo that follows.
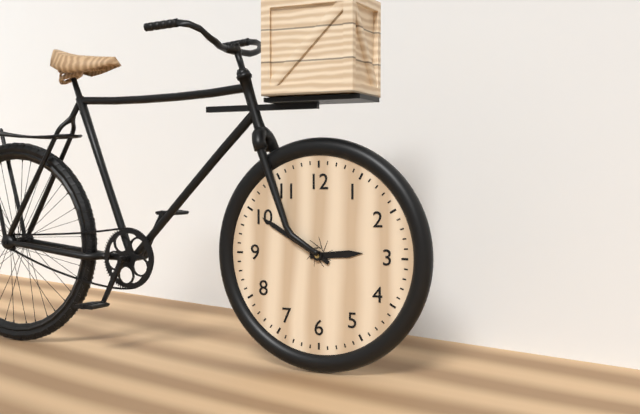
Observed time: 2:50
